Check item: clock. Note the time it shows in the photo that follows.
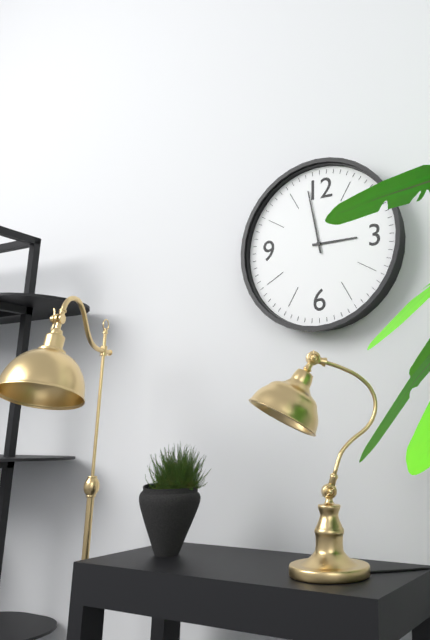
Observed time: 2:58
